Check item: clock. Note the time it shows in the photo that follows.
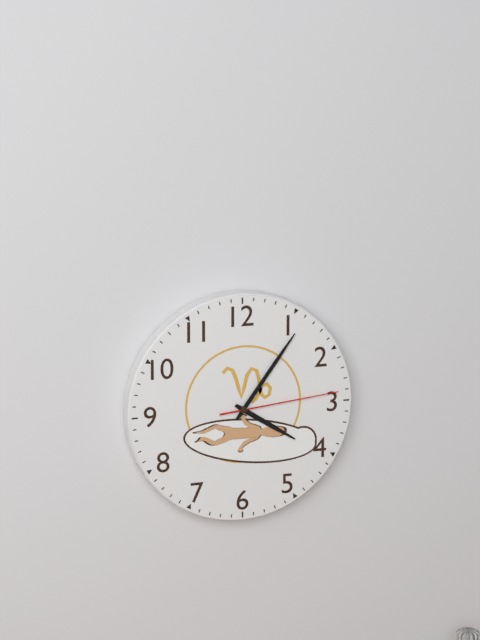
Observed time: 4:06:14
